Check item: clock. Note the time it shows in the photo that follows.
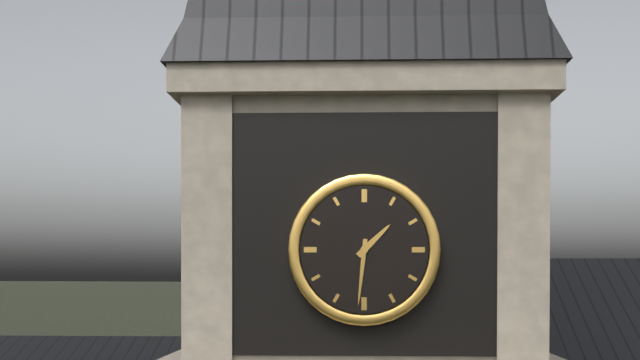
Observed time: 1:31
